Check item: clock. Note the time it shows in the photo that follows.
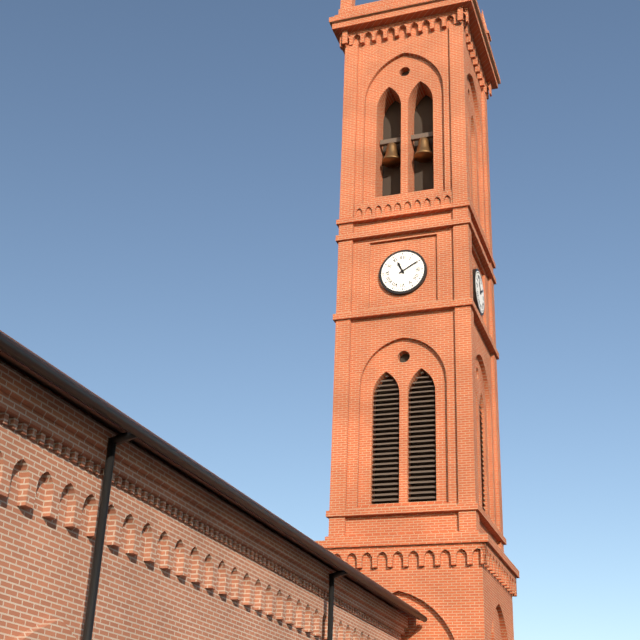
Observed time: 11:10
